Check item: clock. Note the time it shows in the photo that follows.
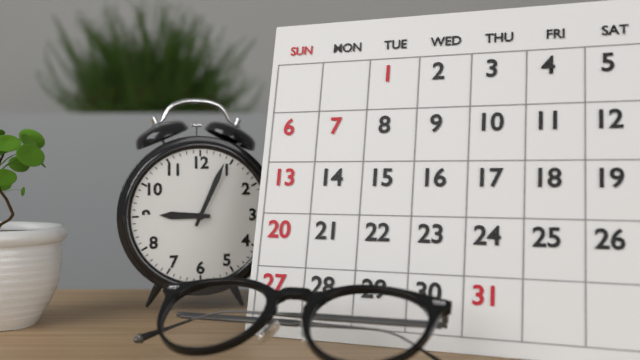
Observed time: 9:04
